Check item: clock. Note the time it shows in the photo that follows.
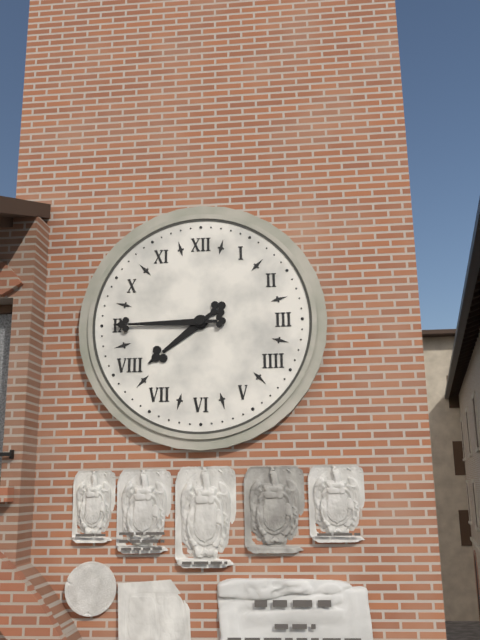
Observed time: 7:45
